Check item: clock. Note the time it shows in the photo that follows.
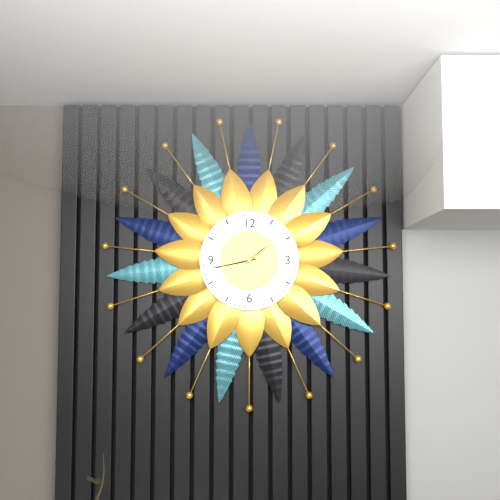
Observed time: 1:43:09
